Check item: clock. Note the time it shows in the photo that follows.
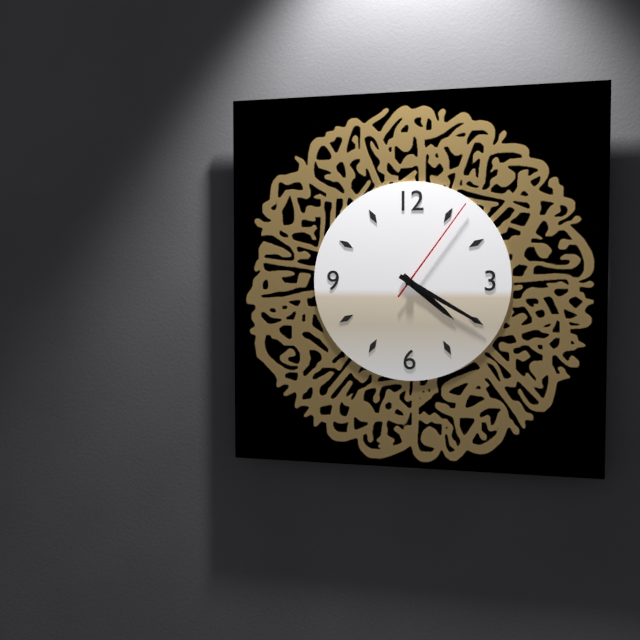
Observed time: 4:20:06
